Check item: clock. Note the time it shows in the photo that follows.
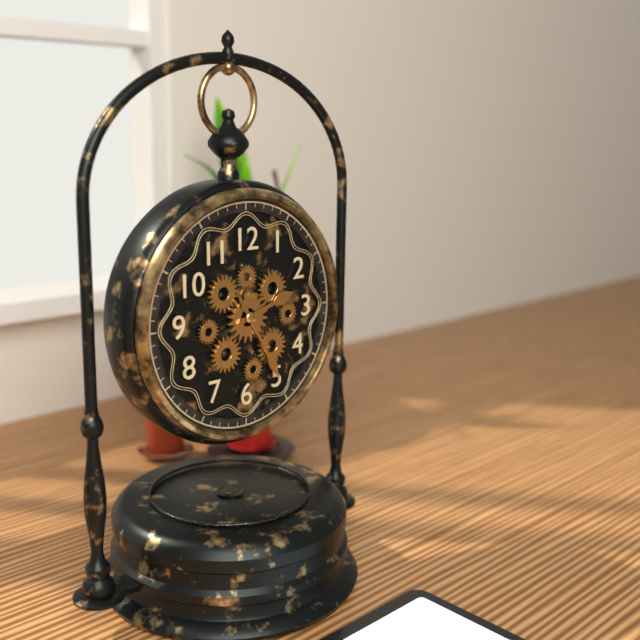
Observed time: 2:25
